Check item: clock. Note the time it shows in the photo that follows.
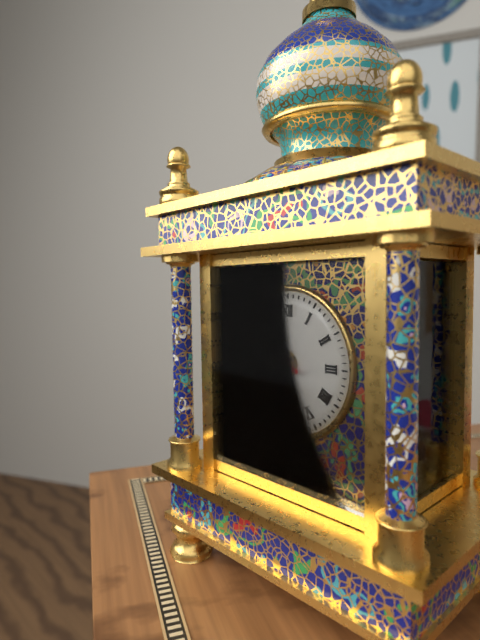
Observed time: 5:39:48
